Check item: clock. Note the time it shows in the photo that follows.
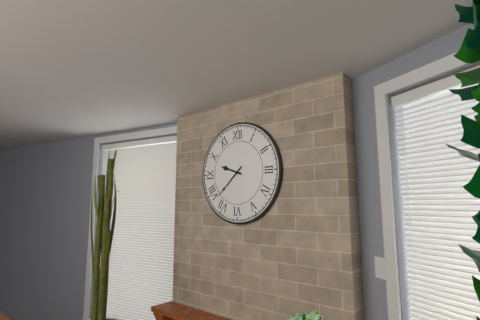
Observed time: 9:38
